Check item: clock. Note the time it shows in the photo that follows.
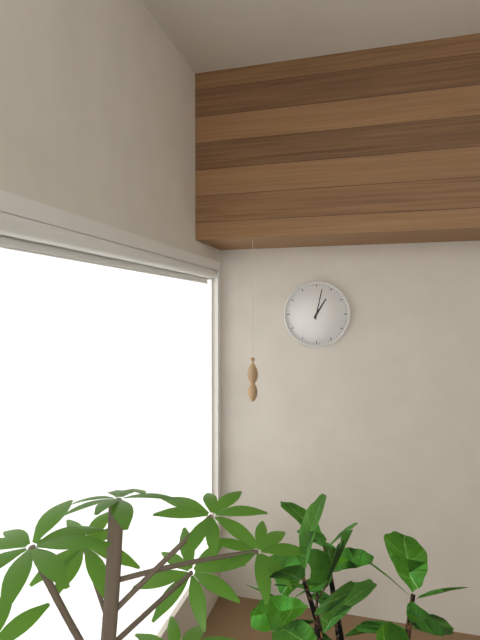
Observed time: 1:02
